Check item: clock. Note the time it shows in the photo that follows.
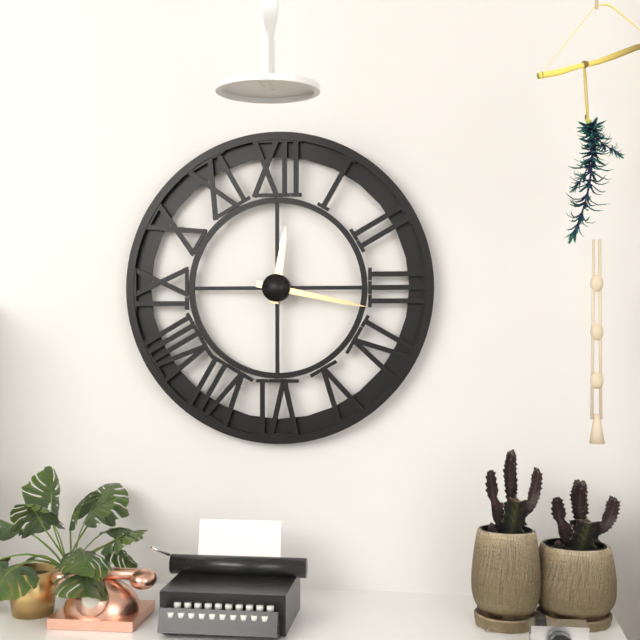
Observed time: 12:17
